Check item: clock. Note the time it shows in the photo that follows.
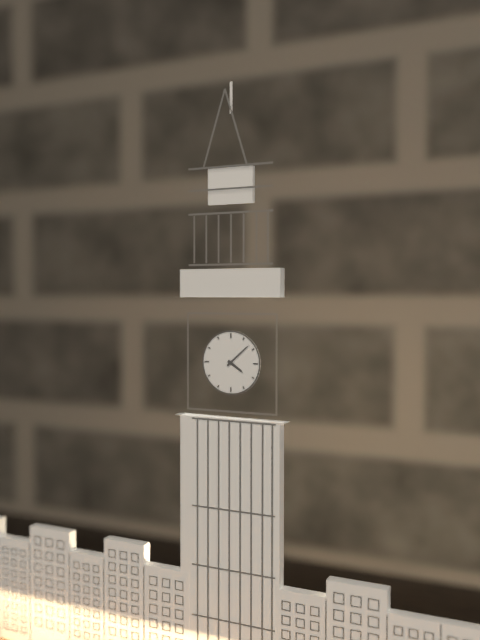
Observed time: 4:08
